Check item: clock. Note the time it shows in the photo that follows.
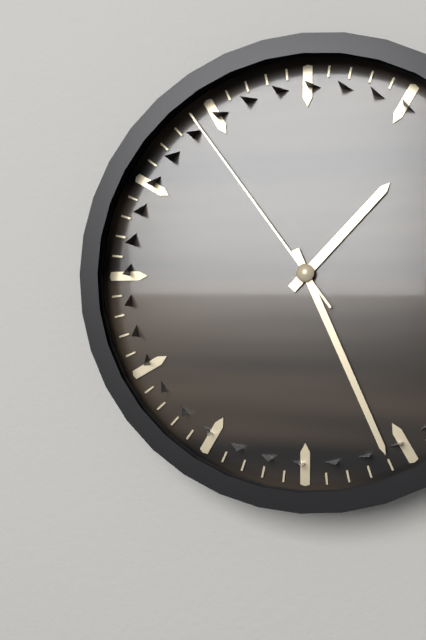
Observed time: 1:26:54
